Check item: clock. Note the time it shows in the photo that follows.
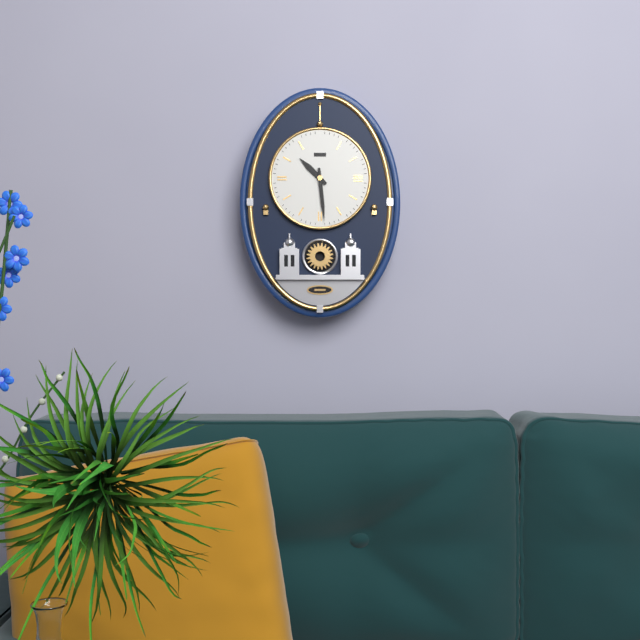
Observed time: 10:29
